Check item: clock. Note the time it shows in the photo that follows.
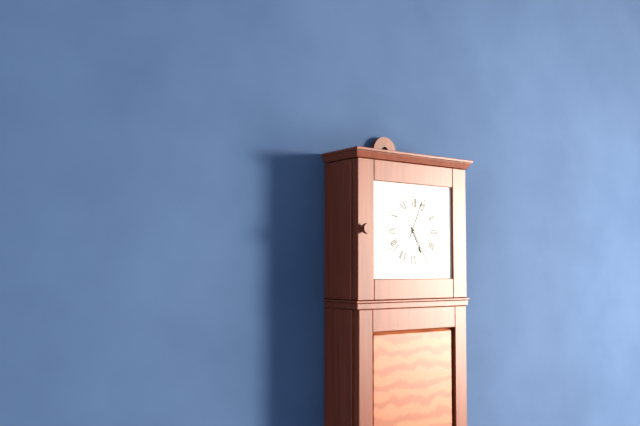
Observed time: 5:04
